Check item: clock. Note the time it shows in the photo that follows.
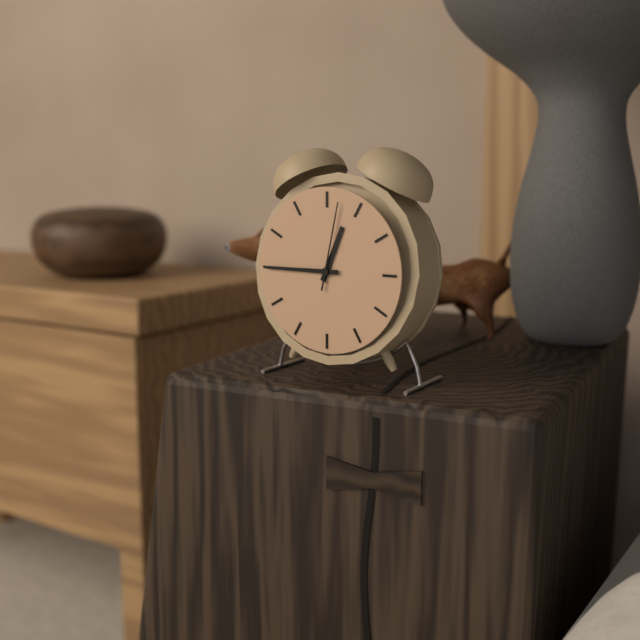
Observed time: 12:45:02
